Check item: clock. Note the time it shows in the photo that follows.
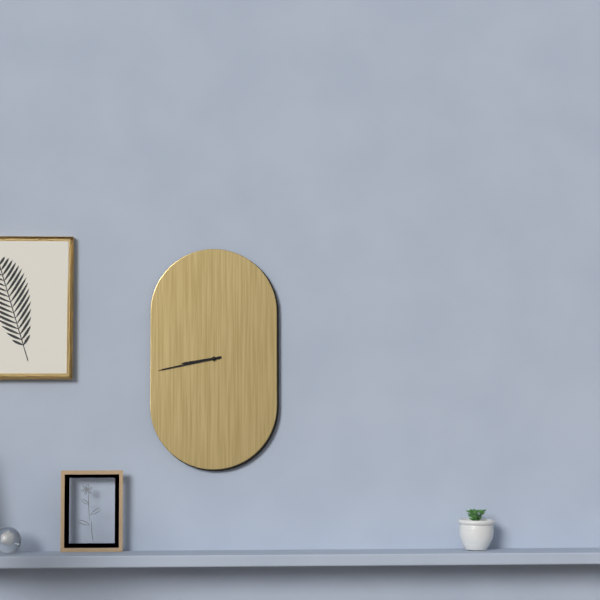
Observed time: 8:43
